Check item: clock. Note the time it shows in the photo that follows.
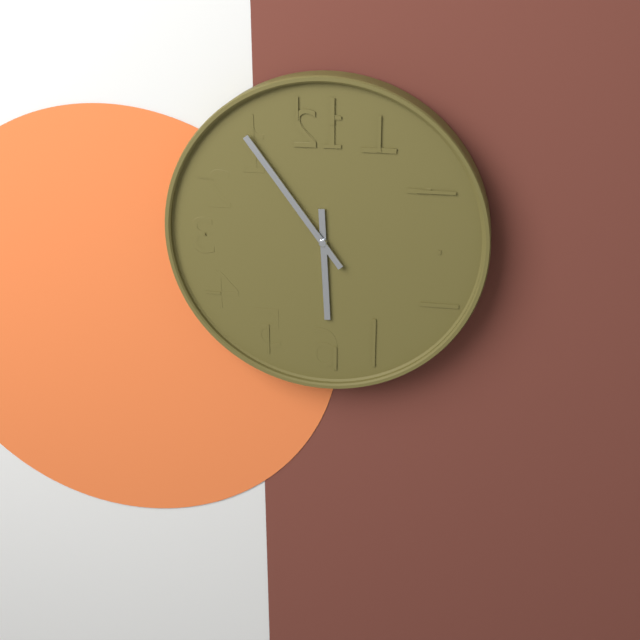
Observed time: 5:54
